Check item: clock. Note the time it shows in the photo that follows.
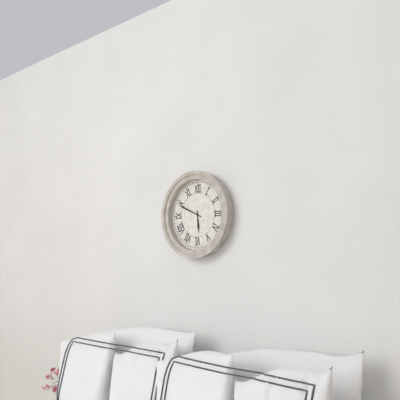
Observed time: 5:49
